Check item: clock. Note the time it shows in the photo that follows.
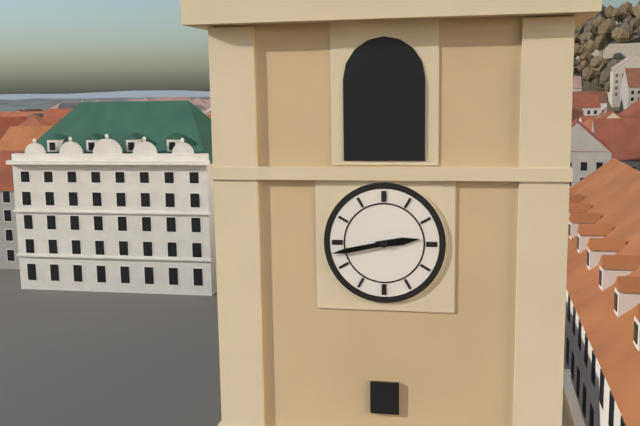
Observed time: 2:43
